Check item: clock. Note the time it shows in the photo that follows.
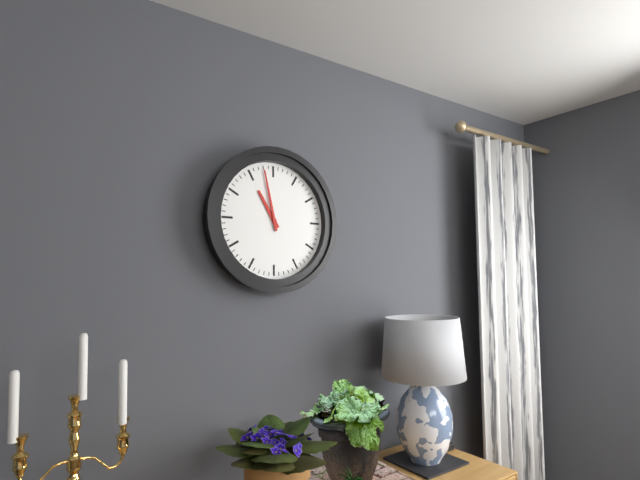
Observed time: 10:58
